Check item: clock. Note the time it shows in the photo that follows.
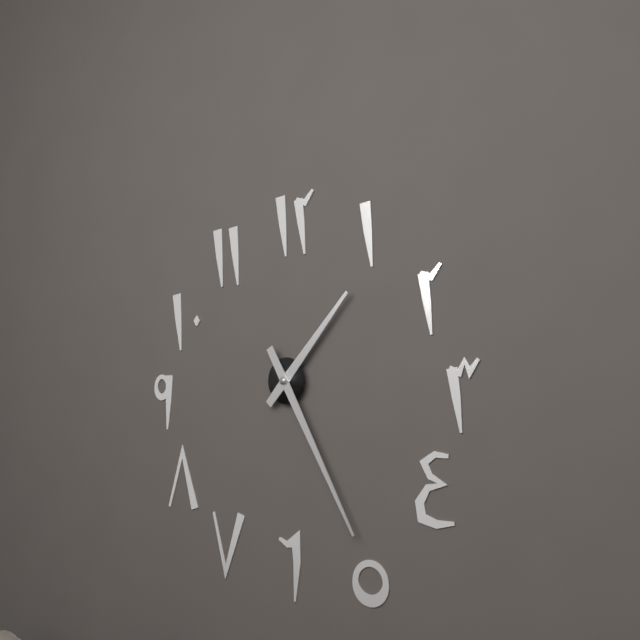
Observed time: 1:25
